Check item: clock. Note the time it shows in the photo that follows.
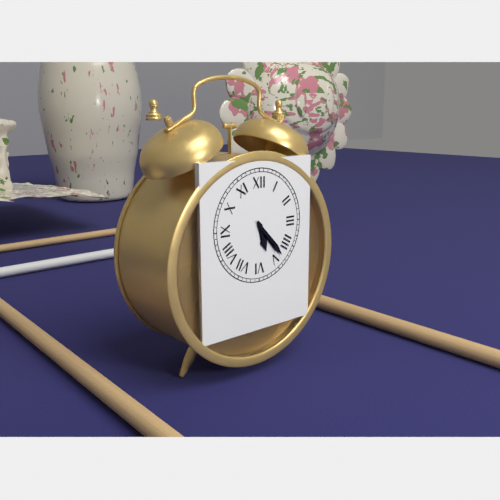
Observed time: 5:23
